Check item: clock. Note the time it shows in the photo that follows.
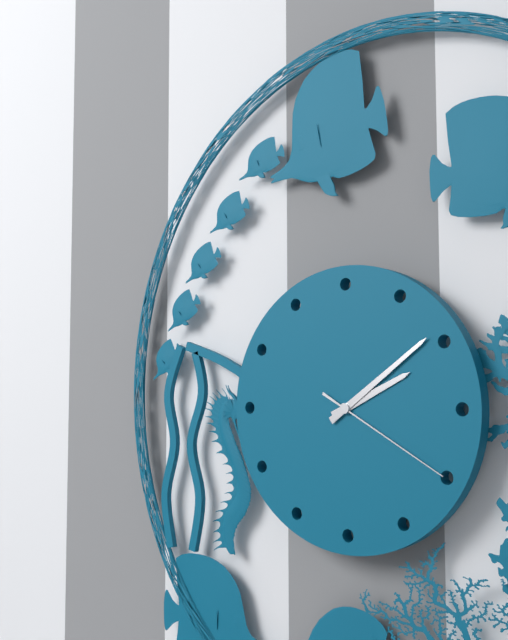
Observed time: 2:09:20
